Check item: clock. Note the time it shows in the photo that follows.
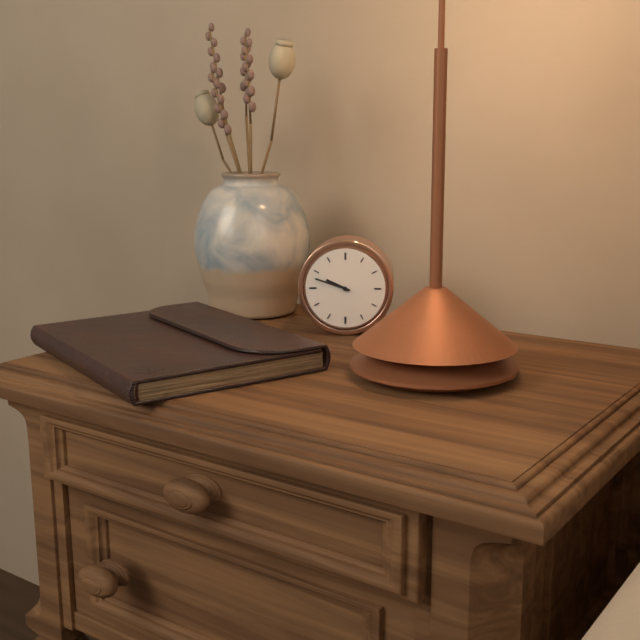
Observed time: 9:48
